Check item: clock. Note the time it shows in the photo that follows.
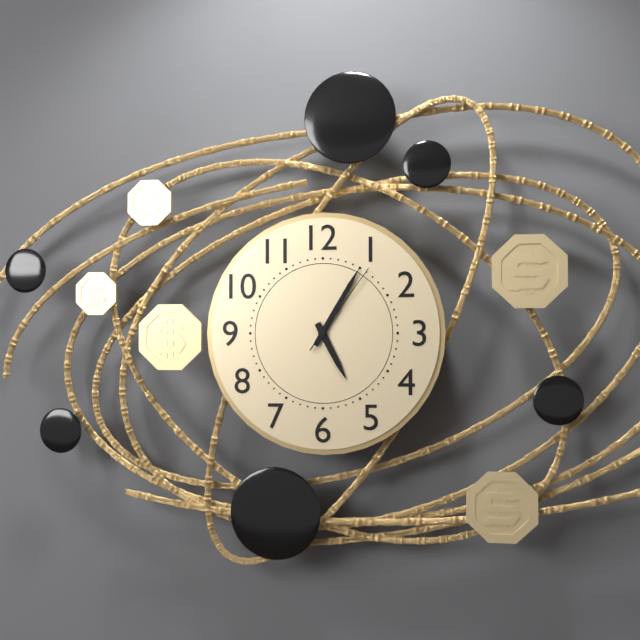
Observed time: 5:05:06
